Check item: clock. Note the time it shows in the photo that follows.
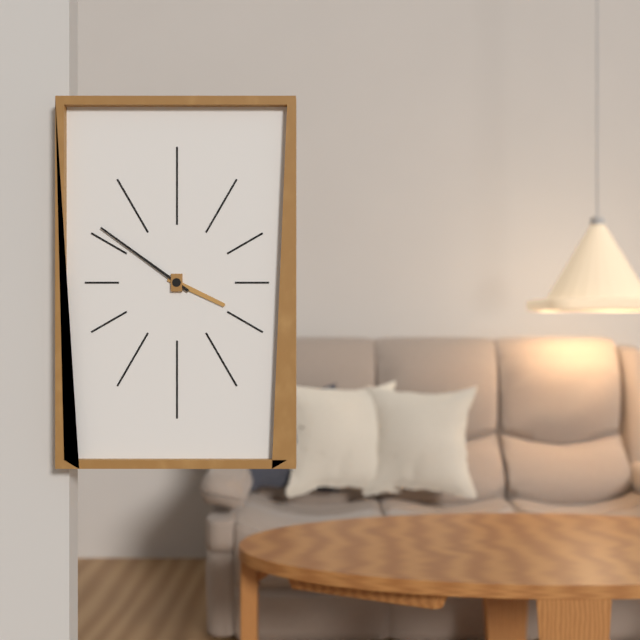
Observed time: 3:51
